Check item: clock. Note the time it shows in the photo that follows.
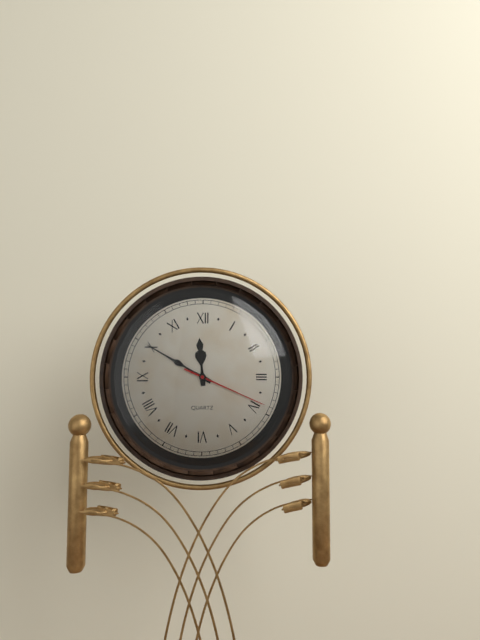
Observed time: 11:50:19
